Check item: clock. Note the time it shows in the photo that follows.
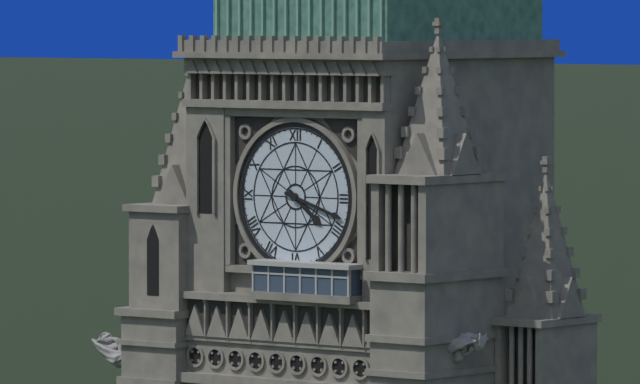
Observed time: 4:18
